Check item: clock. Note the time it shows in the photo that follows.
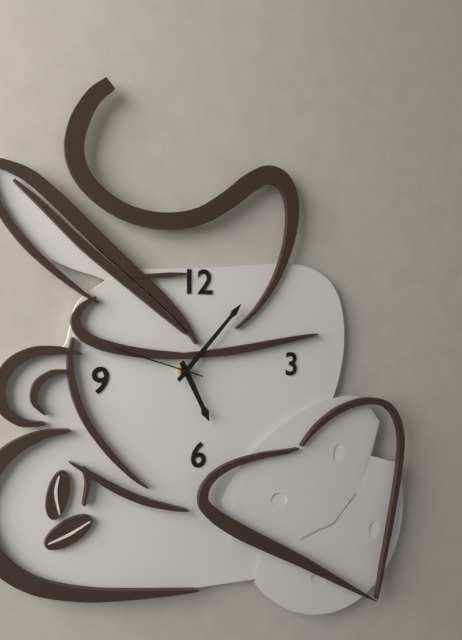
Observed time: 5:07:48
